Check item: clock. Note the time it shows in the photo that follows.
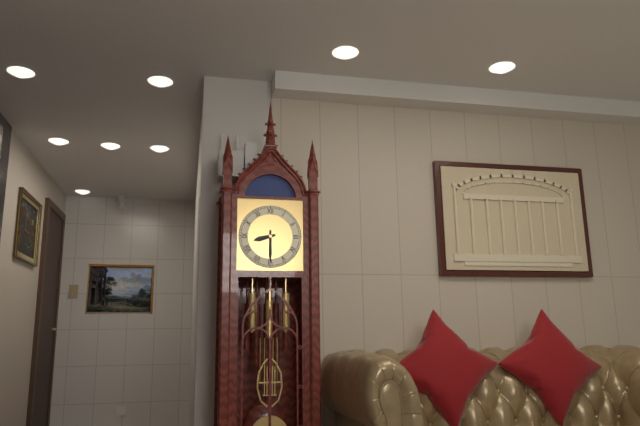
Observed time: 8:30
